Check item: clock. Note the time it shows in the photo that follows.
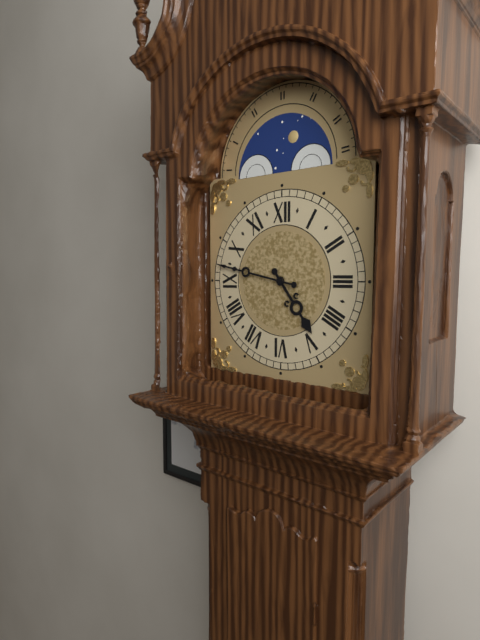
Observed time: 4:47
